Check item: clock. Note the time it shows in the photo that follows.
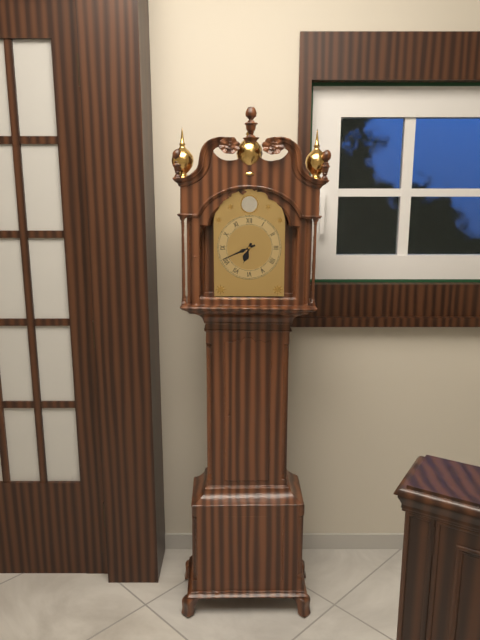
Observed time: 6:41
